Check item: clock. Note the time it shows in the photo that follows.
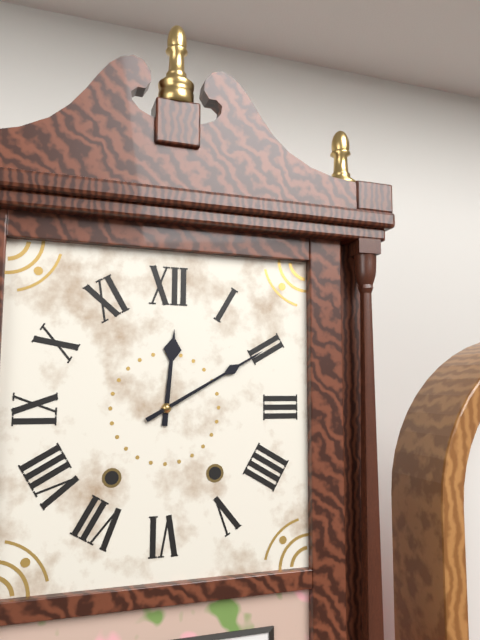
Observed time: 12:10
